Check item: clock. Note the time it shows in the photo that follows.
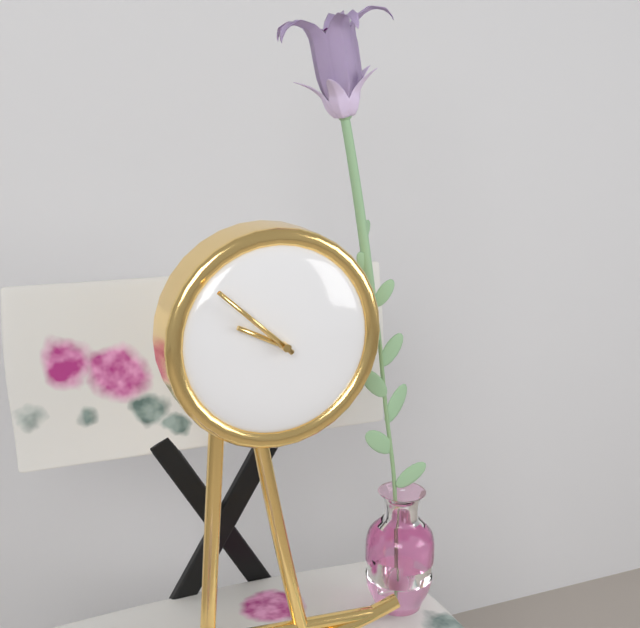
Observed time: 9:52
